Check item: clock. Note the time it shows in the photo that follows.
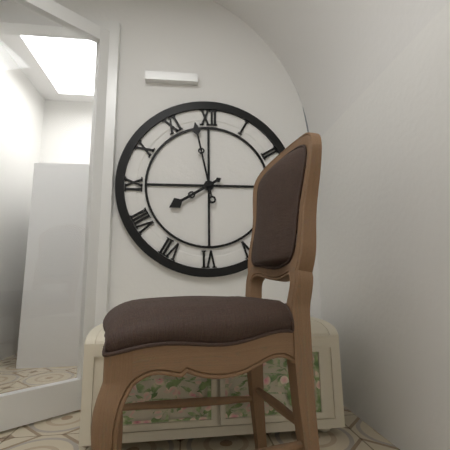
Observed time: 7:58
